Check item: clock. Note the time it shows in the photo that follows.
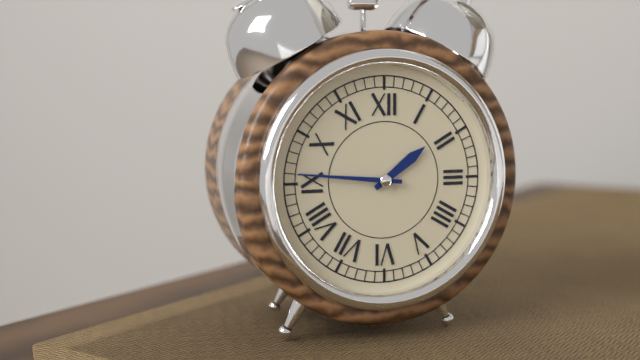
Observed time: 1:46
